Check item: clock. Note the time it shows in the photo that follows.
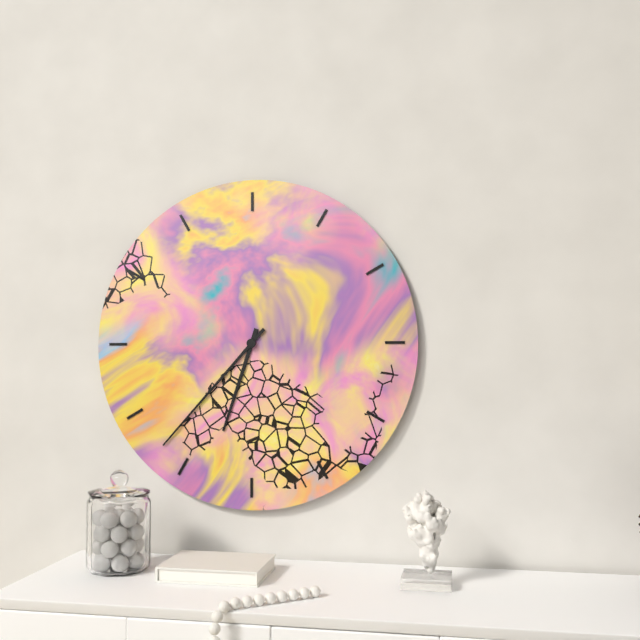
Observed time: 6:37
